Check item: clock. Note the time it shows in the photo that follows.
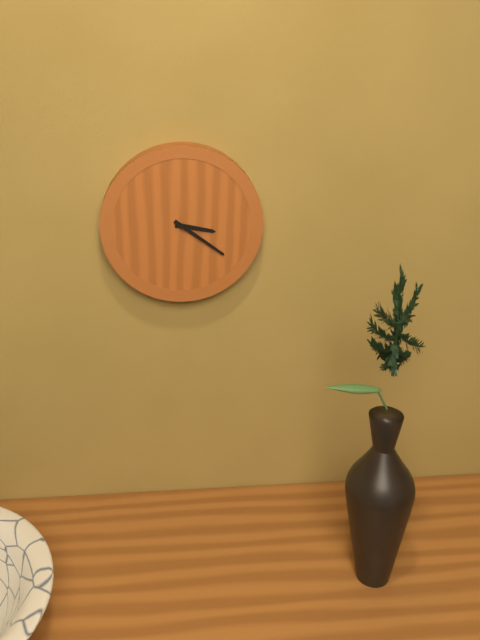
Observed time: 3:21
